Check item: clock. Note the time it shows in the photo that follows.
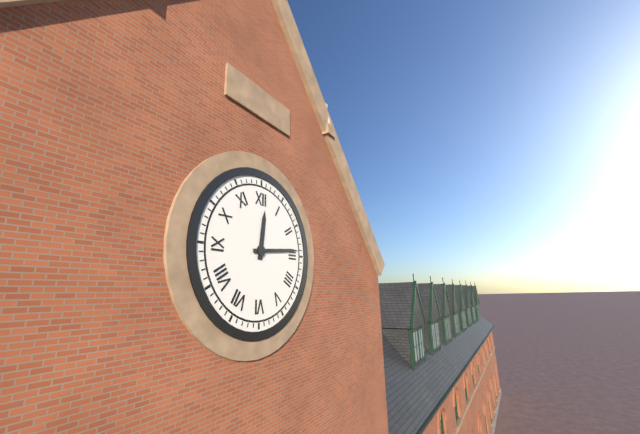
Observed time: 12:14
